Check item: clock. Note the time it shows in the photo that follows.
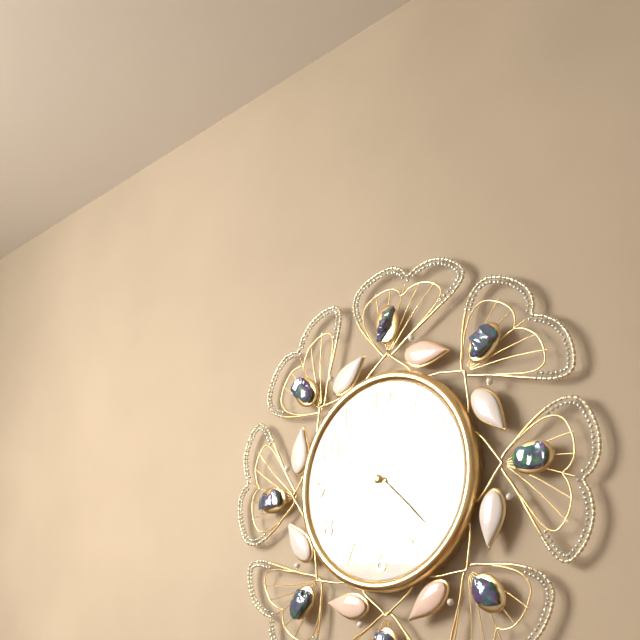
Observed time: 9:22:25
